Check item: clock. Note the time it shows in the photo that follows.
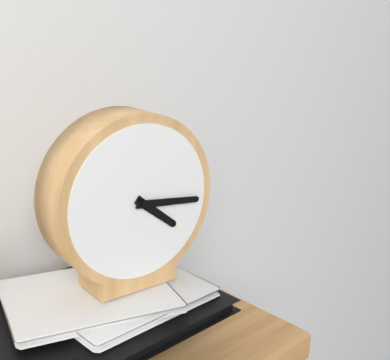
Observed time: 4:16
